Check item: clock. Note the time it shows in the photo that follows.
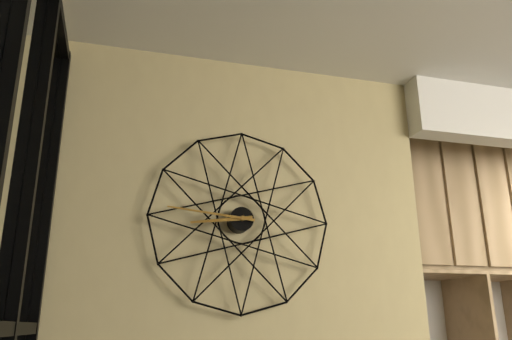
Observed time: 8:46
